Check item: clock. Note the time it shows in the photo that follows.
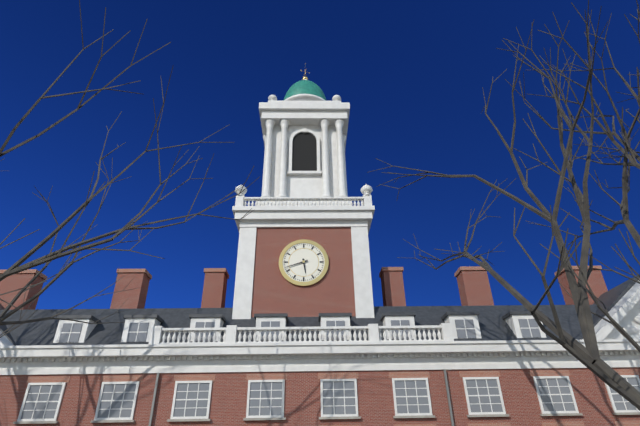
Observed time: 5:42
